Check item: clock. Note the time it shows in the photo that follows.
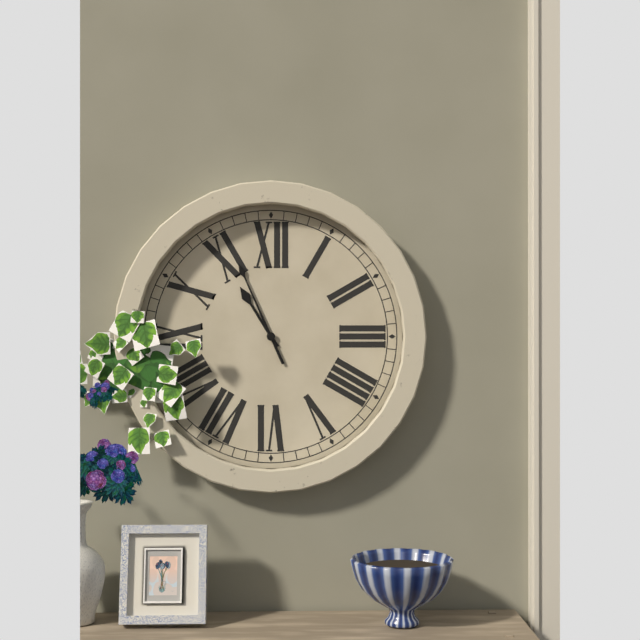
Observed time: 10:56
